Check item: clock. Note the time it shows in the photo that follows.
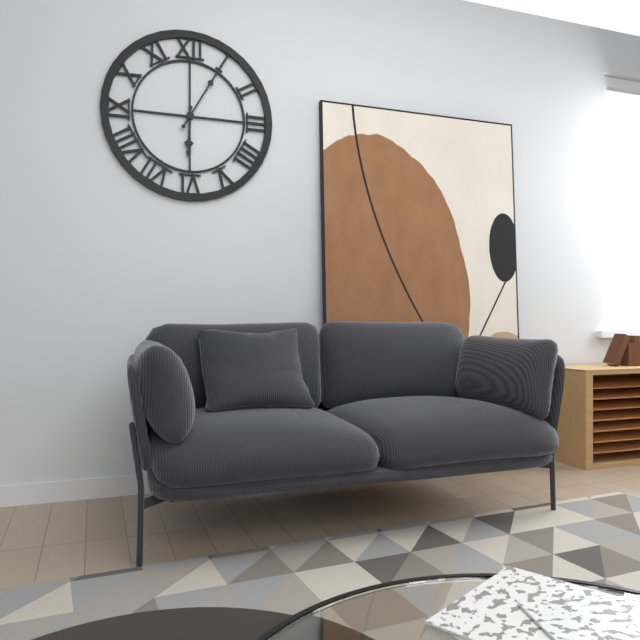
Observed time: 6:05
